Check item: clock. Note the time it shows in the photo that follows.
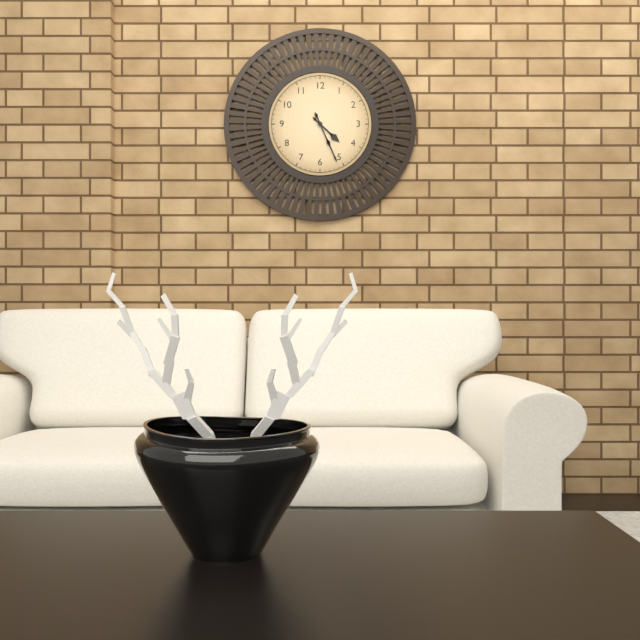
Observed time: 4:26
